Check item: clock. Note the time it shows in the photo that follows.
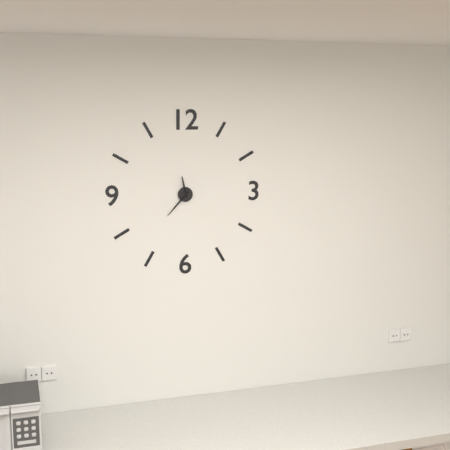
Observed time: 11:37
